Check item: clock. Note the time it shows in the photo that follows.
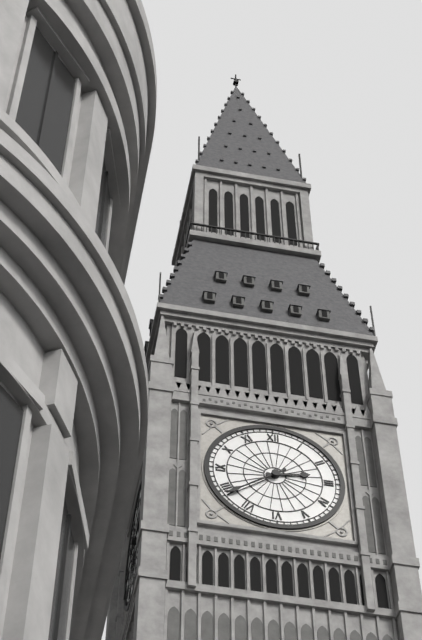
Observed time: 2:39
